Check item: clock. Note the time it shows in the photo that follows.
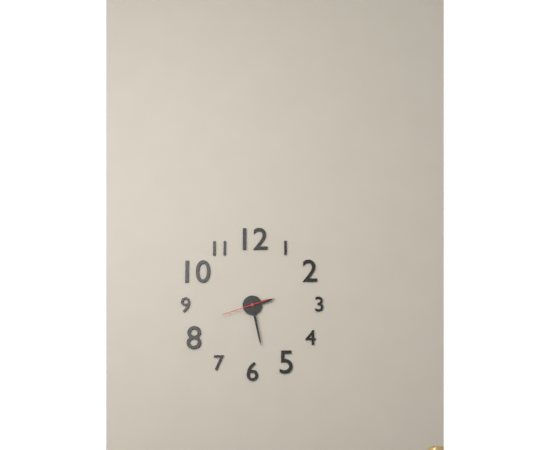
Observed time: 2:28
